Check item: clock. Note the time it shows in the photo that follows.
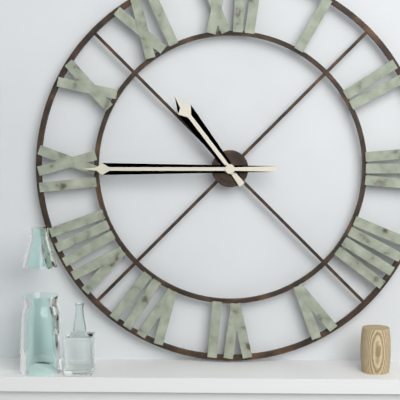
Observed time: 10:45
